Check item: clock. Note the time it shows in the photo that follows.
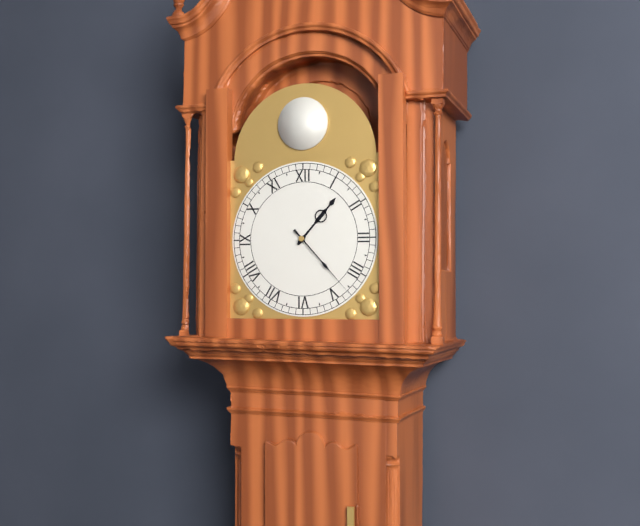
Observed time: 1:23
